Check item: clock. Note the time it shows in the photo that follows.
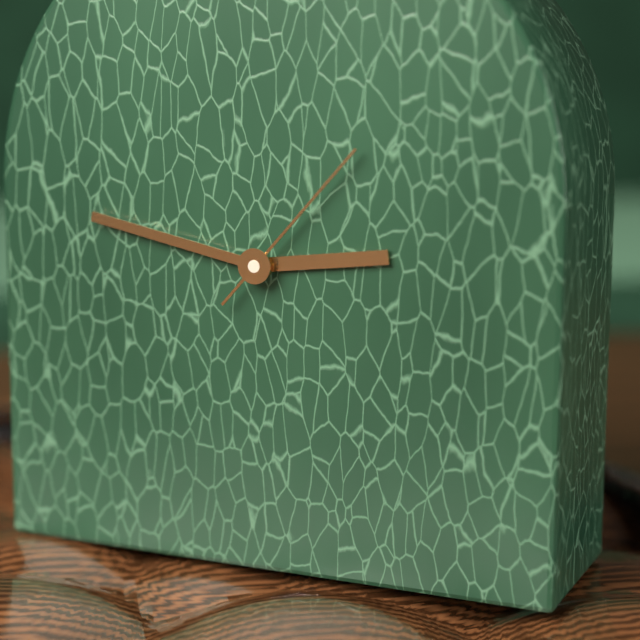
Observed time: 2:47:07
